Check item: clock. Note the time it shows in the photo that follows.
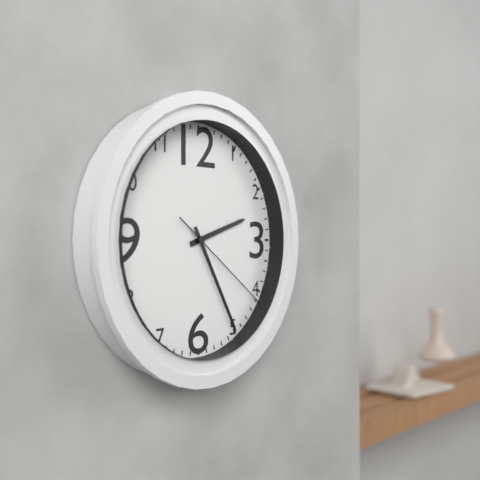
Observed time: 2:25:21
